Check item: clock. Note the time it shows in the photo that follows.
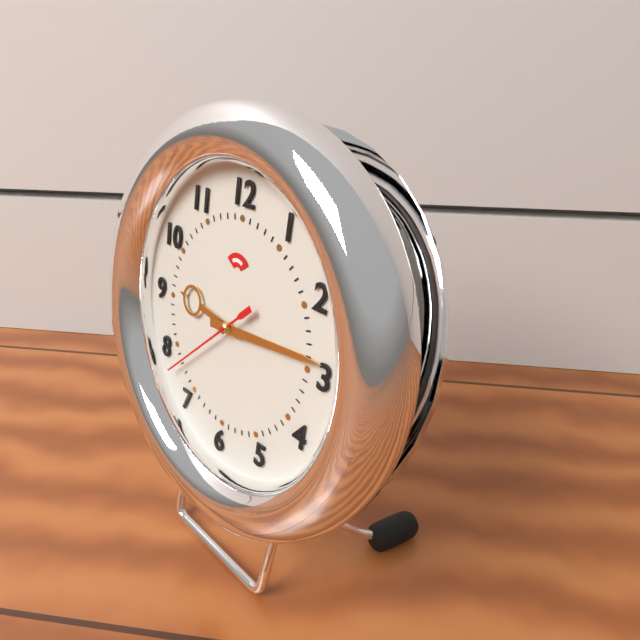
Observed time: 9:14:38
